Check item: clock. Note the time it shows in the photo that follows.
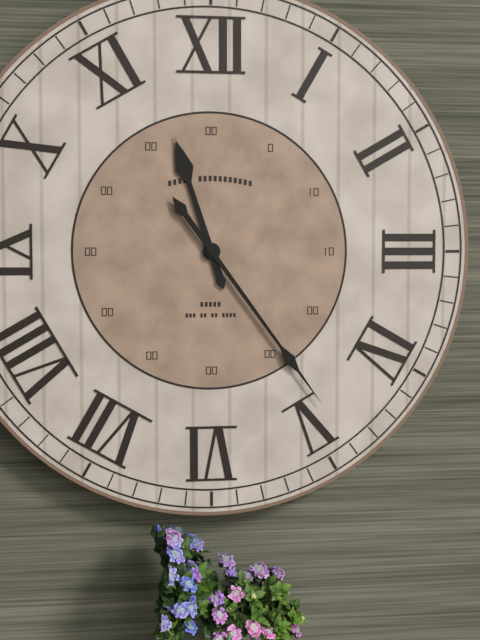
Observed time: 11:24
